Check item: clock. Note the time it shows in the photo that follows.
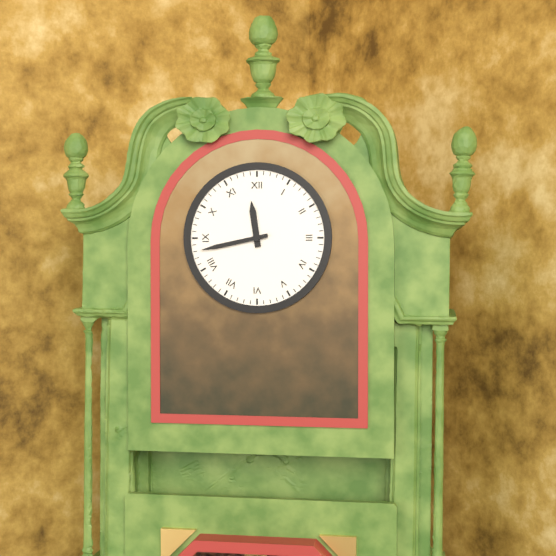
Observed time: 11:43
